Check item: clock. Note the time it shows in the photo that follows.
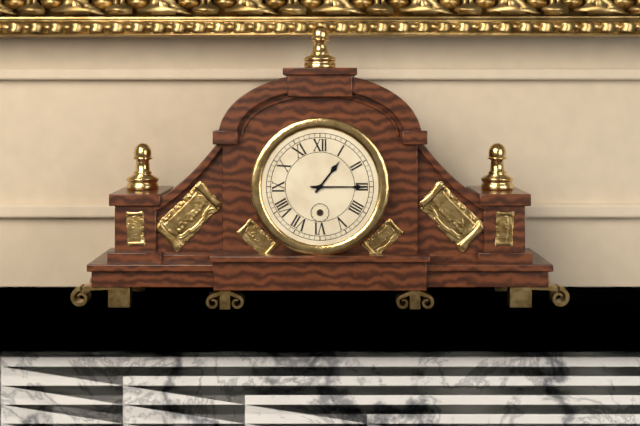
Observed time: 1:15
